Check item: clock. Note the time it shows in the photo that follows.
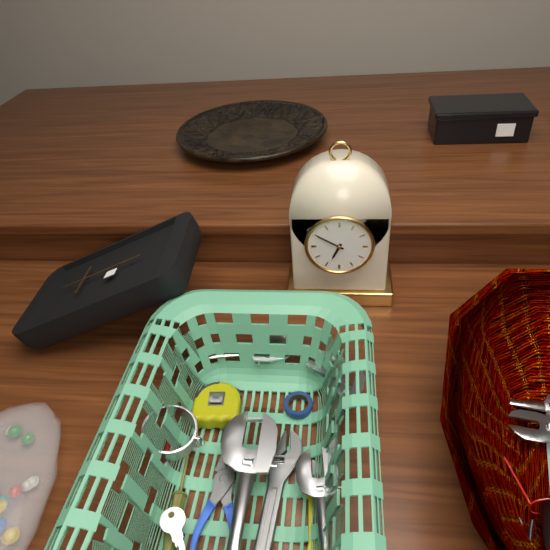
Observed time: 6:50
